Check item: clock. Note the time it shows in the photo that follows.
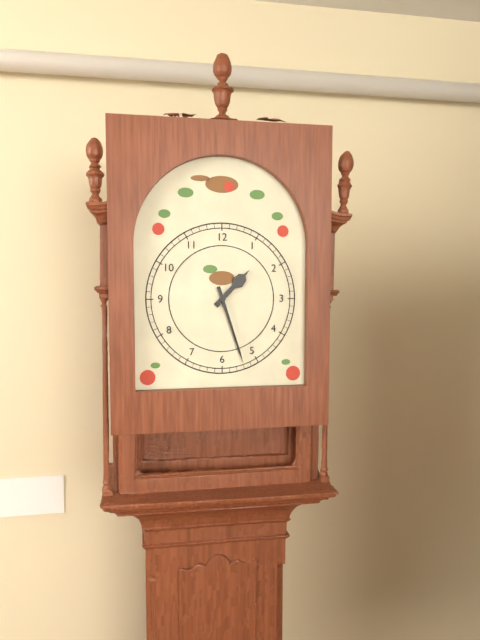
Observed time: 1:27
